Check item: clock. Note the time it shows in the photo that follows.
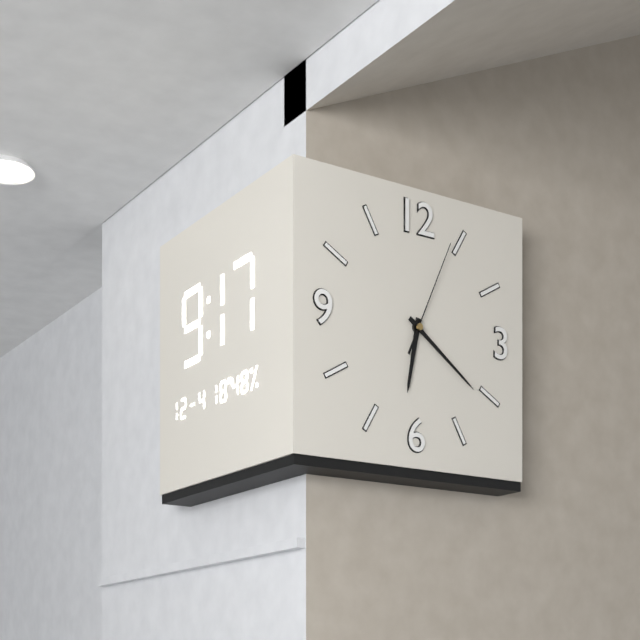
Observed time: 6:21:04
